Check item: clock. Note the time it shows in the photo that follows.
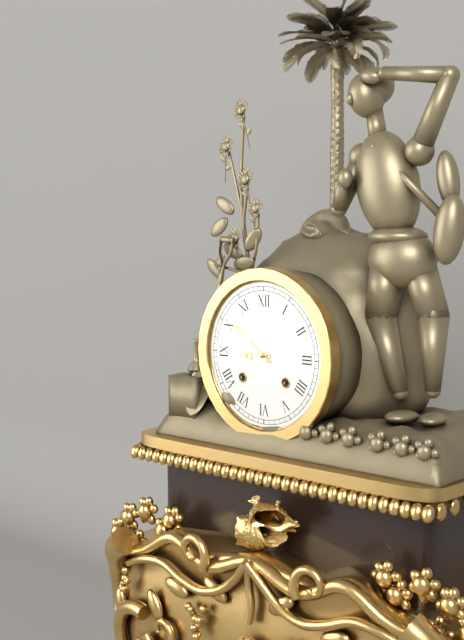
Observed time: 8:51
